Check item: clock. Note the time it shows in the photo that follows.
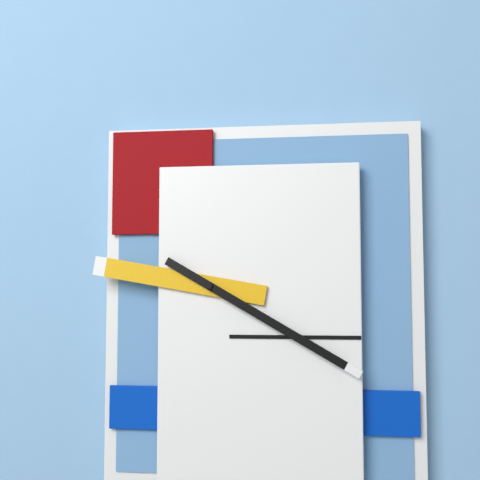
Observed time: 9:20
